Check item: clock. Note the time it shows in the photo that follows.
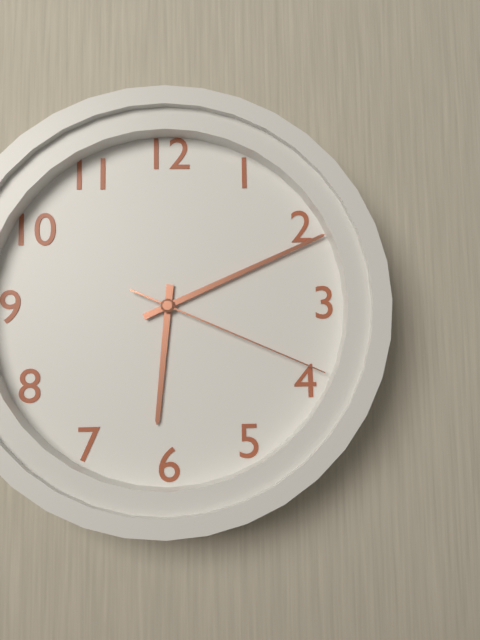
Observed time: 6:11:19
